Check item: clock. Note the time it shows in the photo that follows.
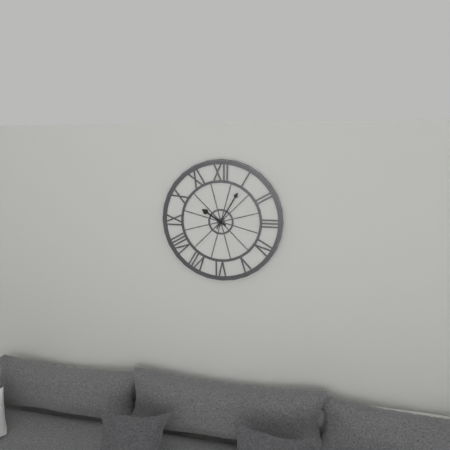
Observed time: 10:05
